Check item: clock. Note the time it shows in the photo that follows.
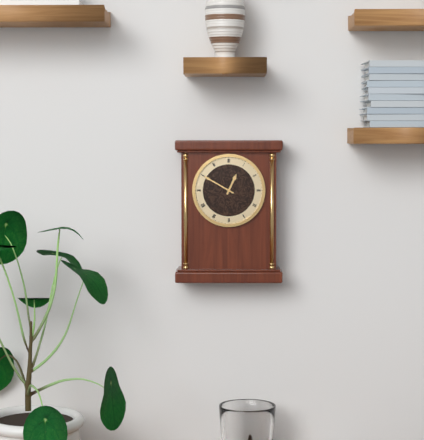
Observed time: 12:50
